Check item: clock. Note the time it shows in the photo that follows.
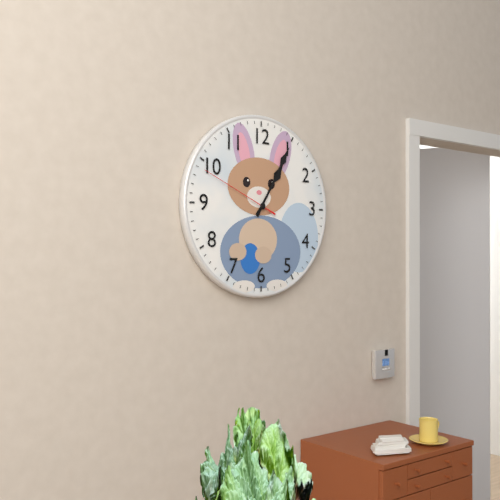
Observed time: 1:05:49
